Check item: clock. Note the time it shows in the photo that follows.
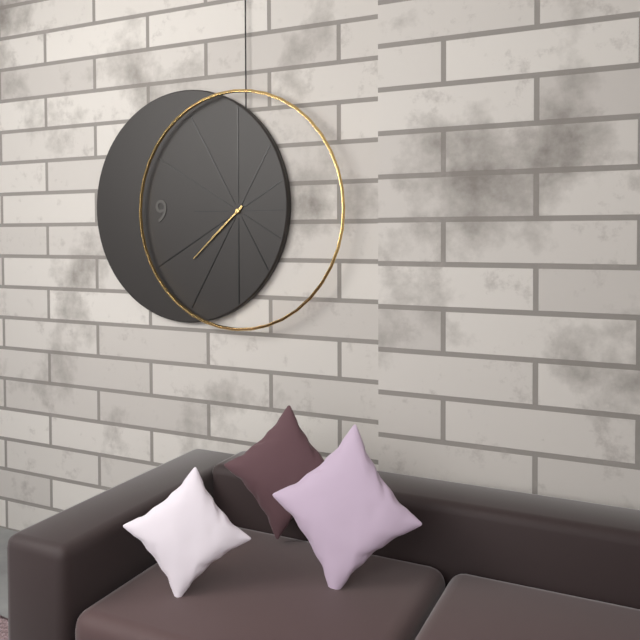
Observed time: 7:38
